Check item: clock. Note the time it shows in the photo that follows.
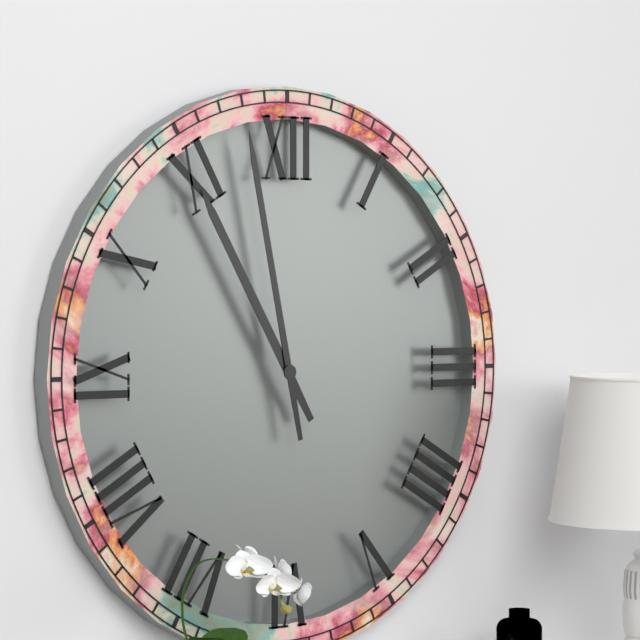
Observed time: 10:58
